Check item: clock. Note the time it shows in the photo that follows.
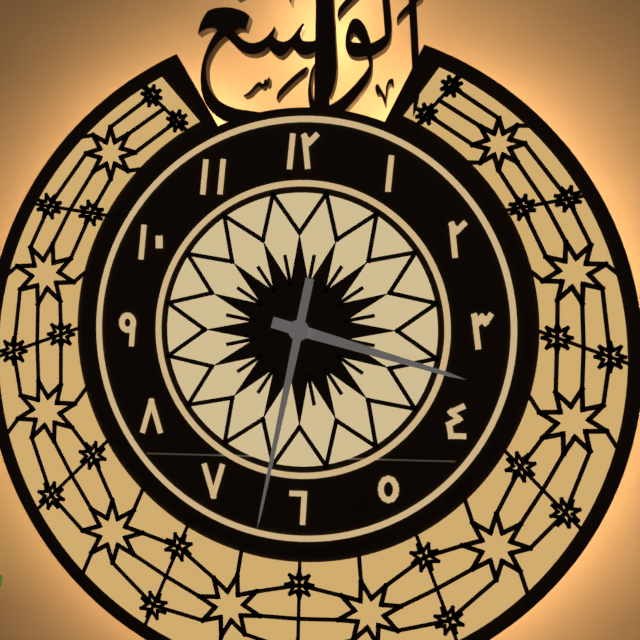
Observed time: 3:32
